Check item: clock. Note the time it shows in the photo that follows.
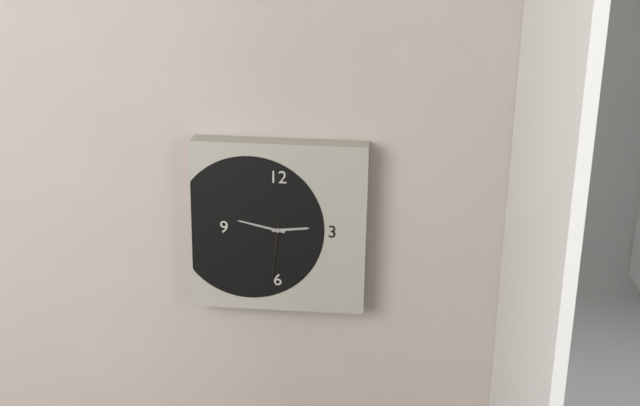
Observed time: 2:47:31
